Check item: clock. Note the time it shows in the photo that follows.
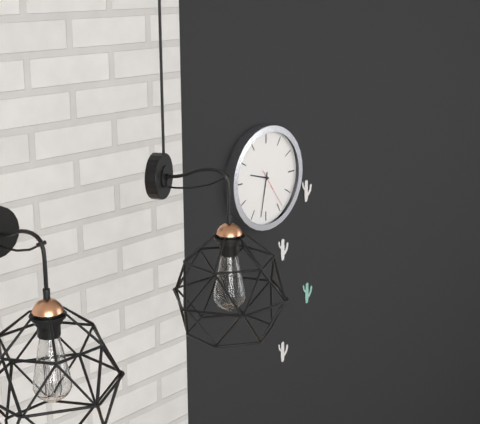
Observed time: 9:32
